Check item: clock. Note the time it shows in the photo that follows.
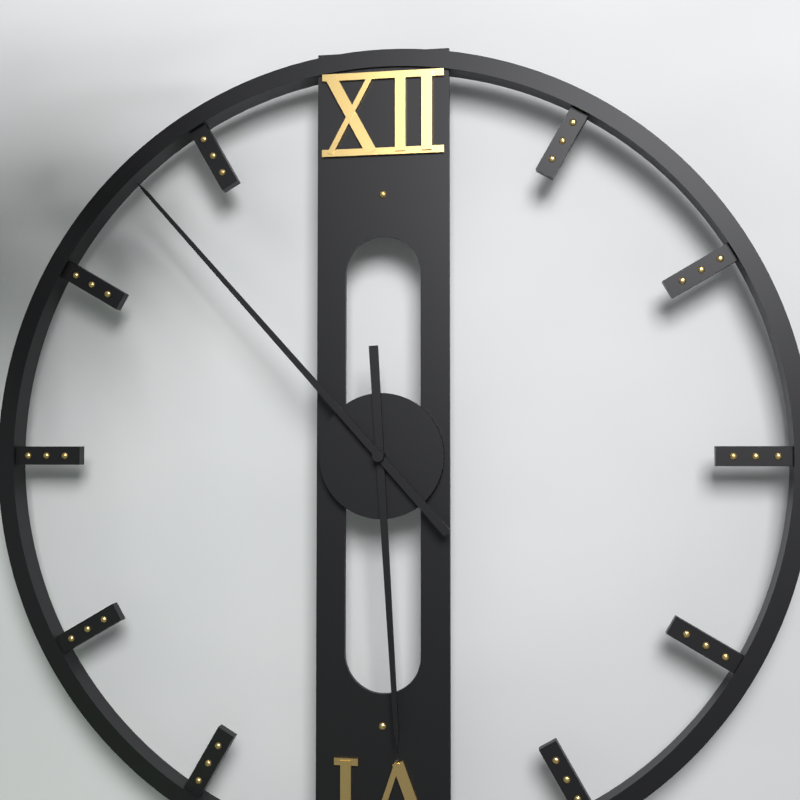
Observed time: 5:53
